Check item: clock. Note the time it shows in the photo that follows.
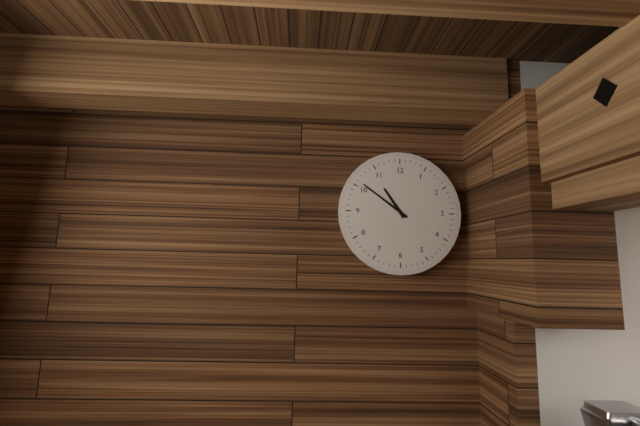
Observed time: 10:51
